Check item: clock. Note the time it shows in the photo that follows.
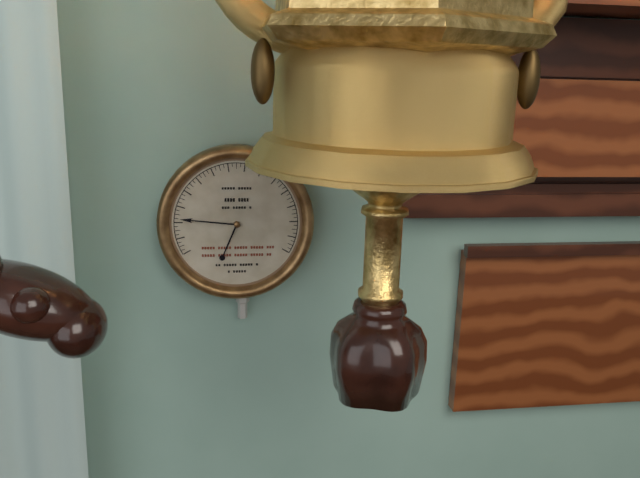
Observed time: 6:46
